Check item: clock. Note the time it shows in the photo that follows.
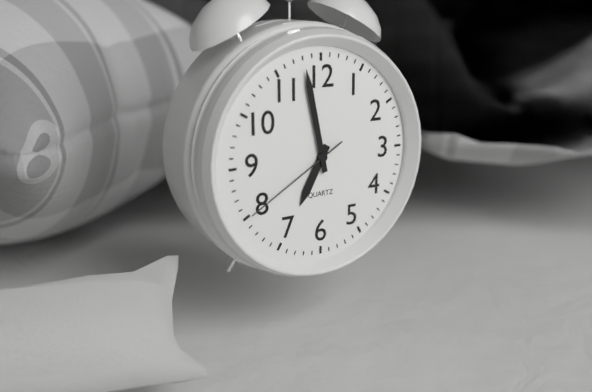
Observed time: 6:58:40
